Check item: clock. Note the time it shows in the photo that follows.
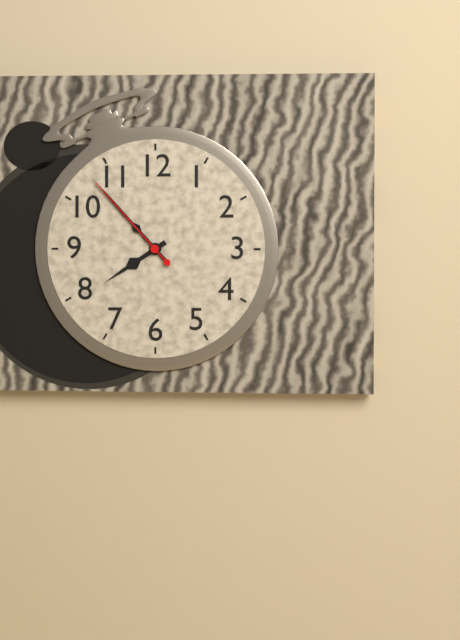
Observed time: 7:53:53
